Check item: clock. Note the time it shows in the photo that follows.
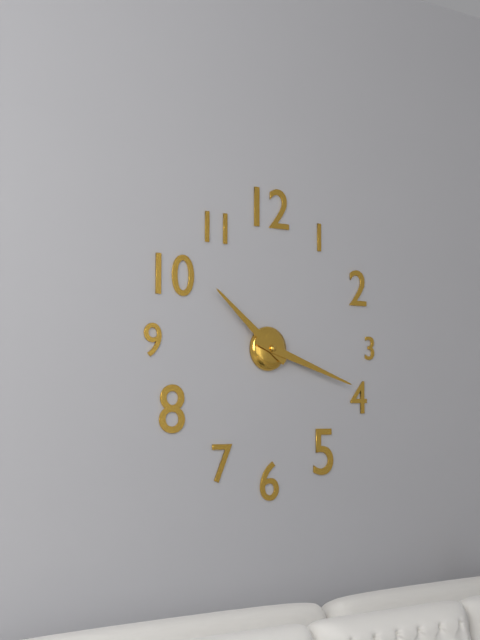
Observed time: 10:18
